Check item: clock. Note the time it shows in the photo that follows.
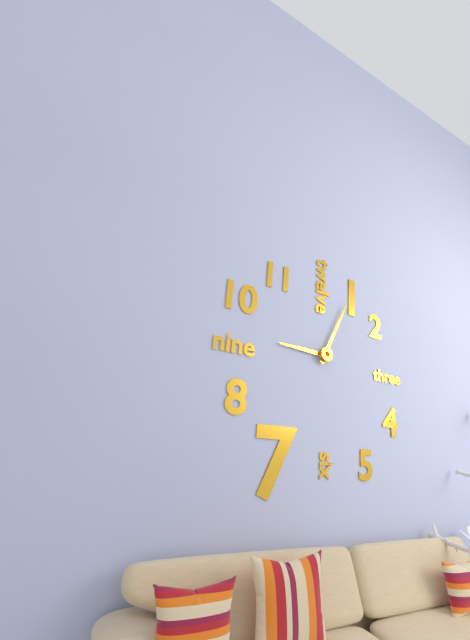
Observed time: 9:04
